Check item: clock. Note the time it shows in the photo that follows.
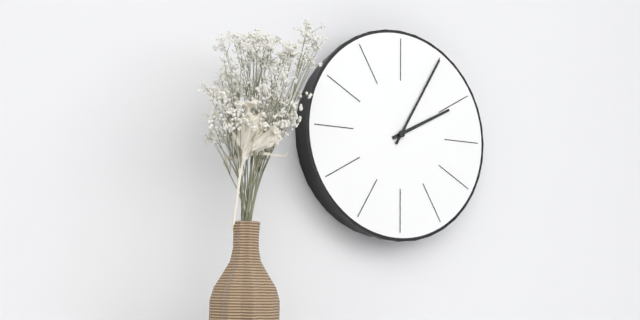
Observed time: 2:05
